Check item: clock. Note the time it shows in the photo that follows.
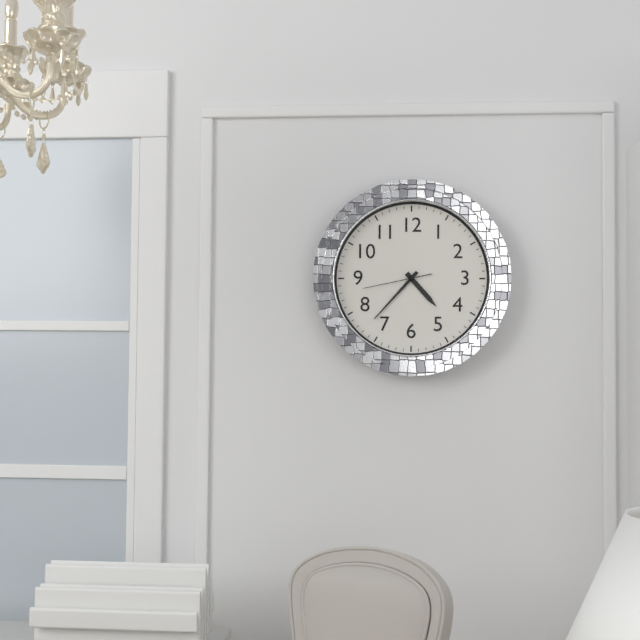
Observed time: 4:37:43
